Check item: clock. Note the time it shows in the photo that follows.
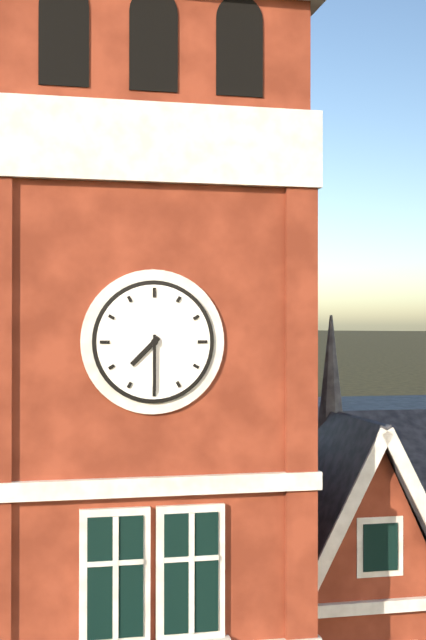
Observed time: 7:30
